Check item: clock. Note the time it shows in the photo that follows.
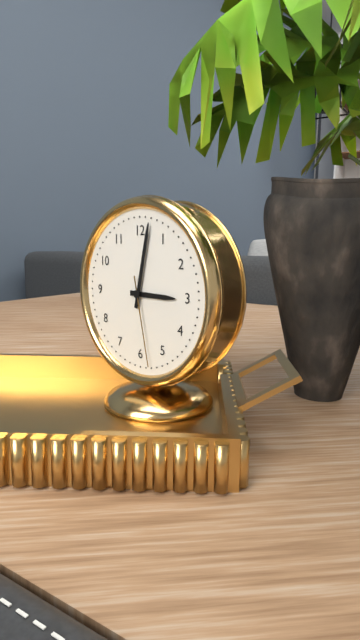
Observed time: 3:02:28
